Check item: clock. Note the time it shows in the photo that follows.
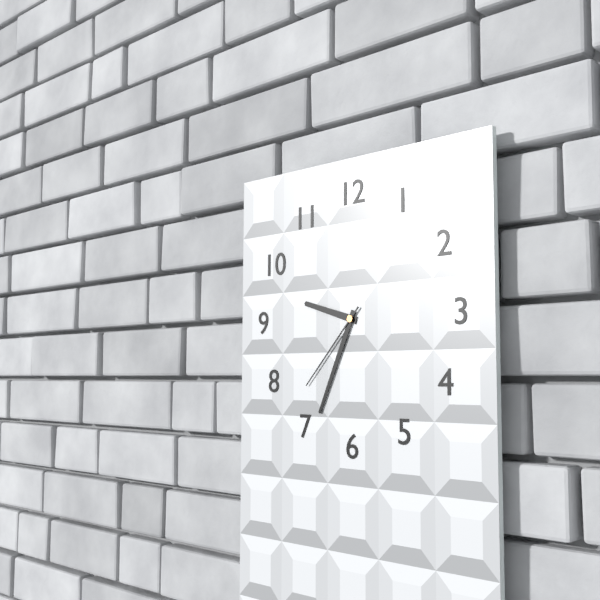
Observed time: 9:34:37
